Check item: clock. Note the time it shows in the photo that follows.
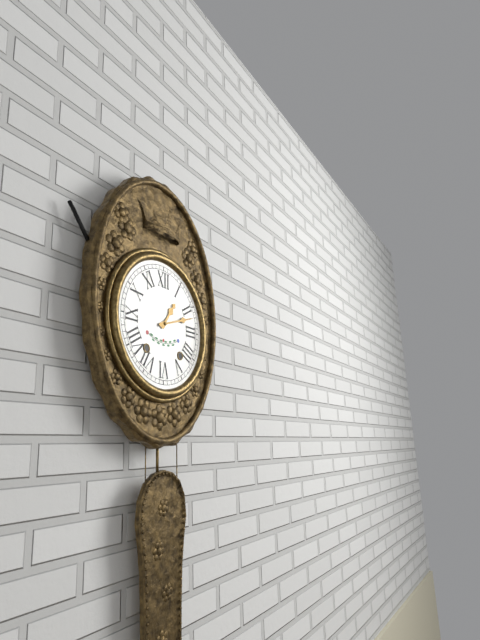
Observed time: 1:12
